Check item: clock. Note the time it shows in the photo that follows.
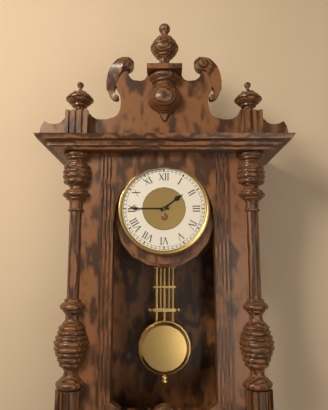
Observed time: 1:45
